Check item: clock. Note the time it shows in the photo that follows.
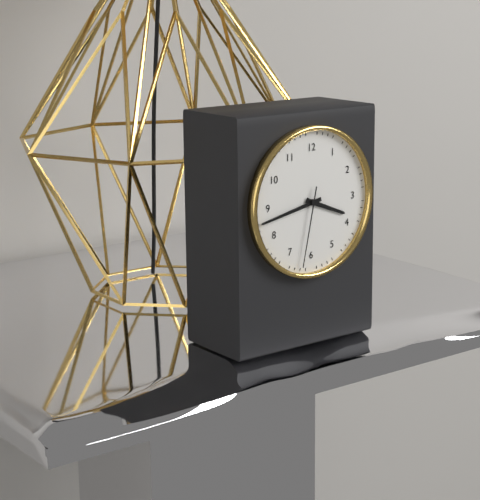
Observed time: 3:43:32
